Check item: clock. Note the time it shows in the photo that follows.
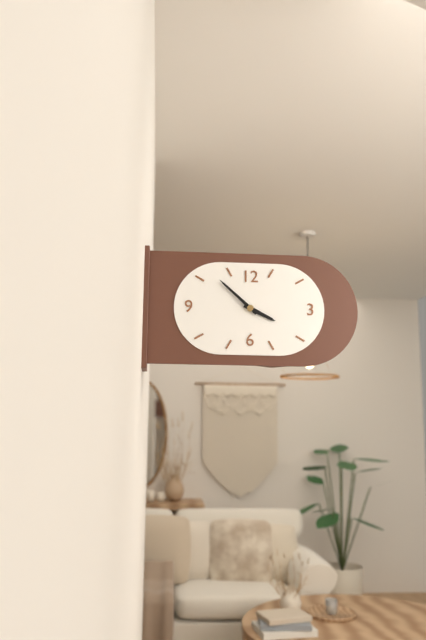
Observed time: 3:52
